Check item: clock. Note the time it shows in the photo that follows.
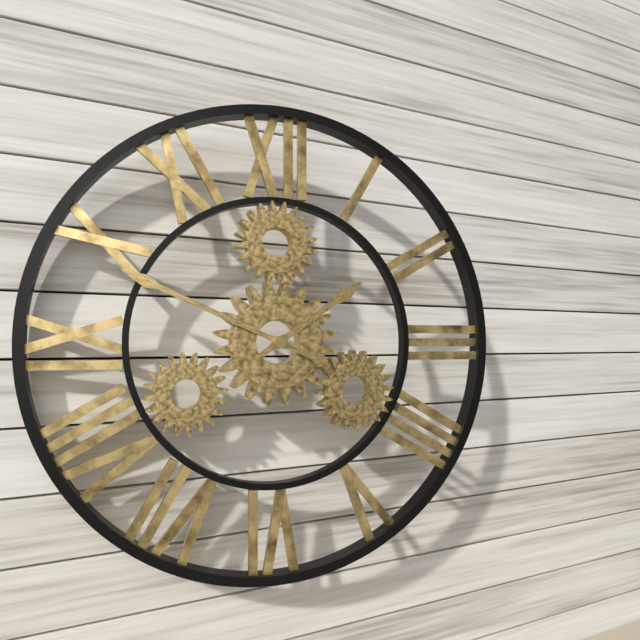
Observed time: 1:49
